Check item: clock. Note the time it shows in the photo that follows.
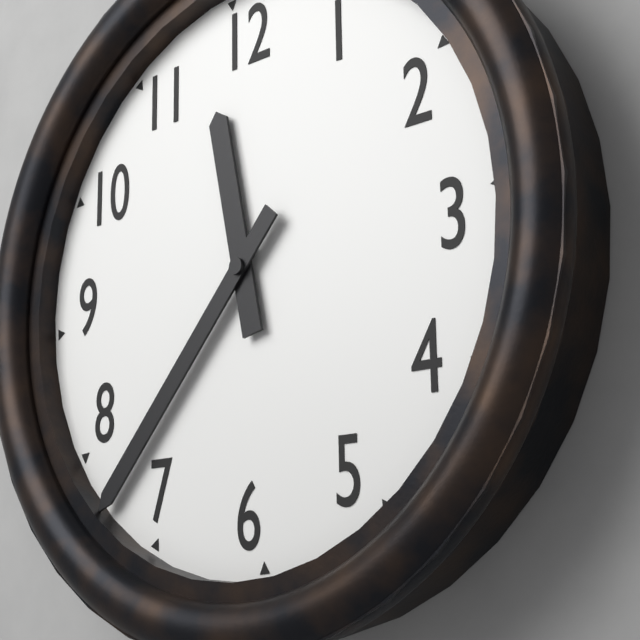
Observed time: 11:37
